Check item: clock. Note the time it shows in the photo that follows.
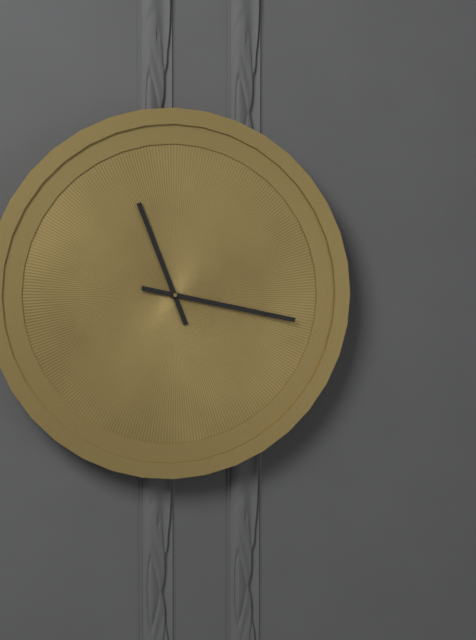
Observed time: 11:17
